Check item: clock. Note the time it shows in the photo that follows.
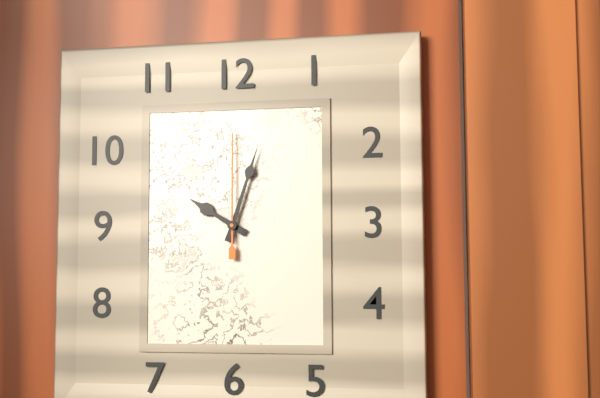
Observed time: 10:03:00
